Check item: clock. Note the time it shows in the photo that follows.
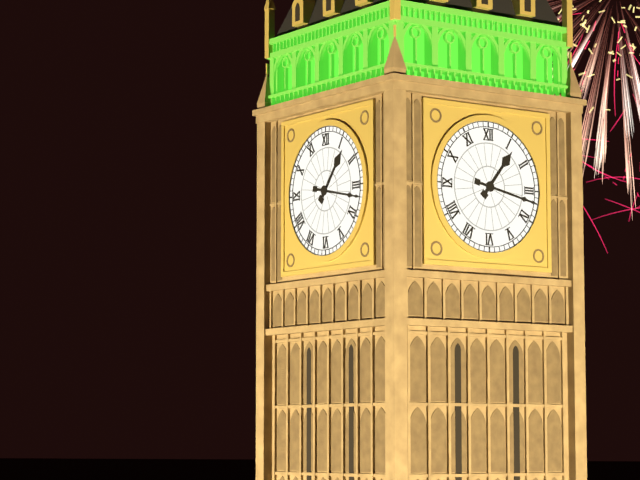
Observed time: 1:17
